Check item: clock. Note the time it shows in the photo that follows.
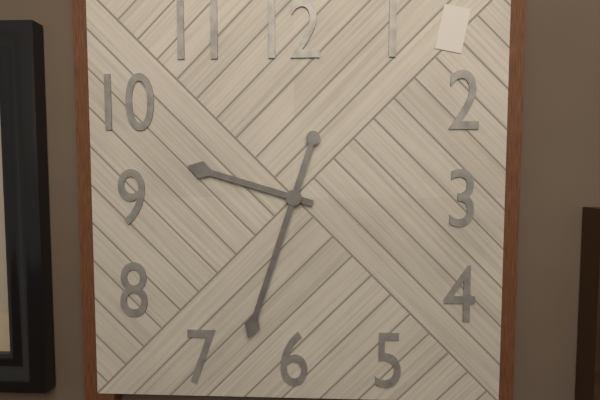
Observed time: 9:33
